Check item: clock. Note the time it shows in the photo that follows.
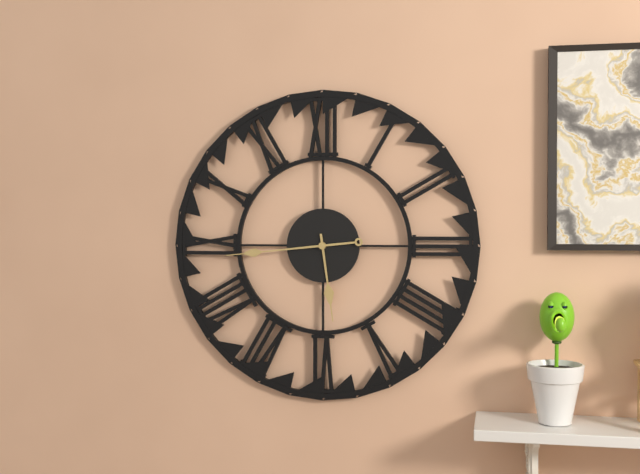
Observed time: 5:44
